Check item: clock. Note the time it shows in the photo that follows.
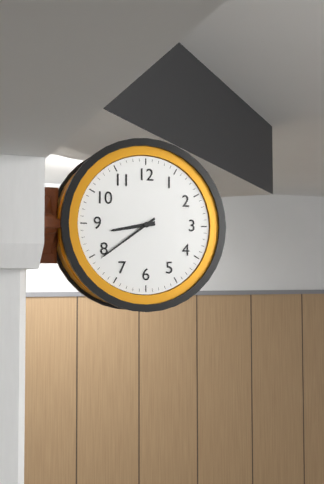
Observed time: 8:39
